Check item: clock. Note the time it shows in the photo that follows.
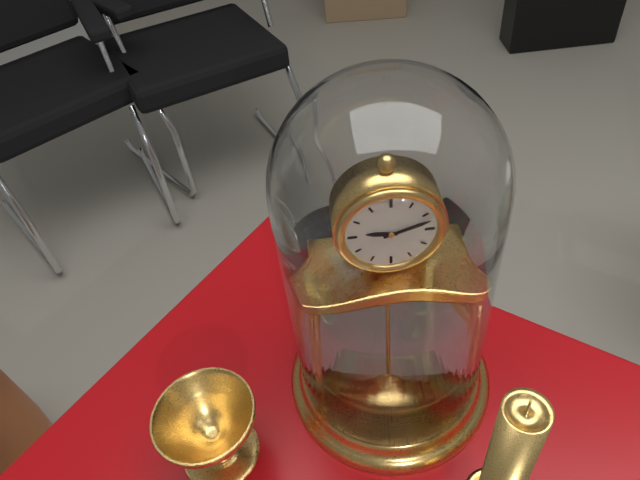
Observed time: 9:12
